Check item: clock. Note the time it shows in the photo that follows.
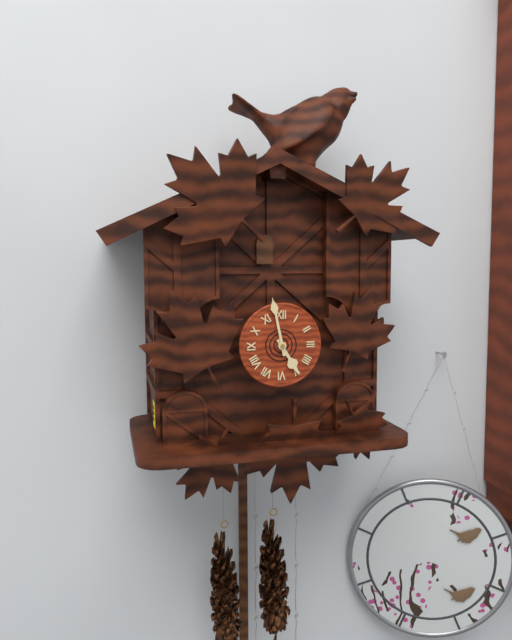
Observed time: 4:58
